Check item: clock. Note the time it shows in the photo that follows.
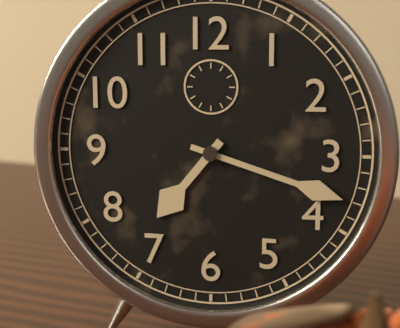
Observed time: 7:18
